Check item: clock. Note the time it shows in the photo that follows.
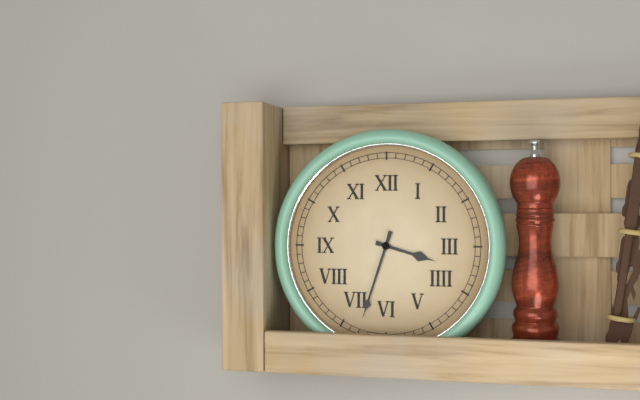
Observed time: 3:33
